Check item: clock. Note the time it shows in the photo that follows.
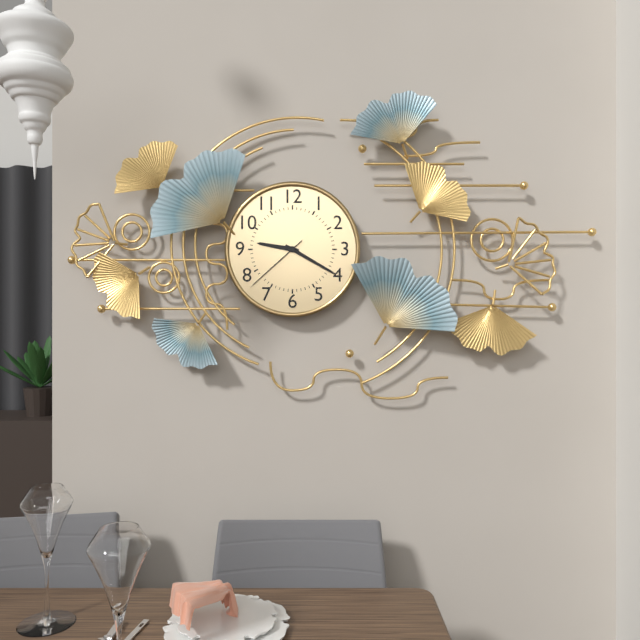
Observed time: 9:20:38
